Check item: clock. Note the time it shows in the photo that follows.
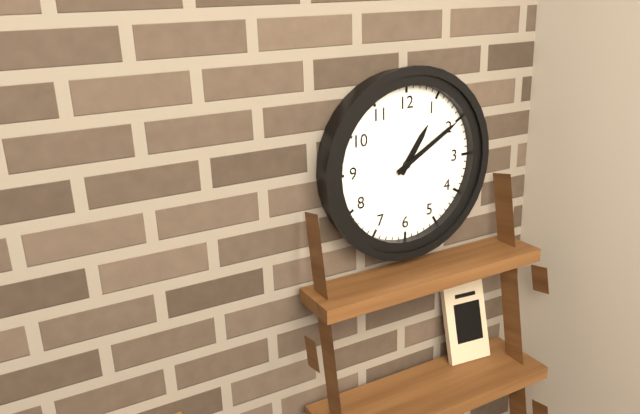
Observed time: 1:10
